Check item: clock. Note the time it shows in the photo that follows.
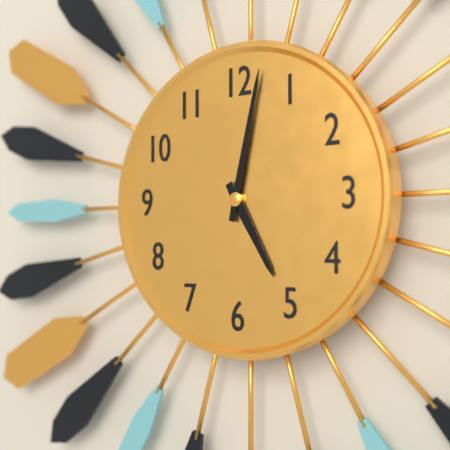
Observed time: 5:02
